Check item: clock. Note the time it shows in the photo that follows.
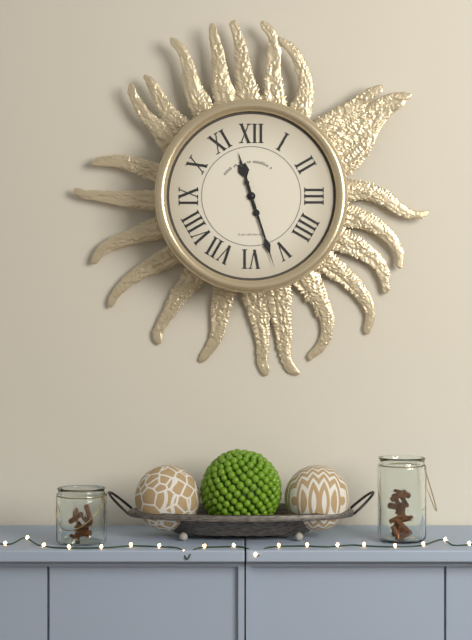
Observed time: 11:27
